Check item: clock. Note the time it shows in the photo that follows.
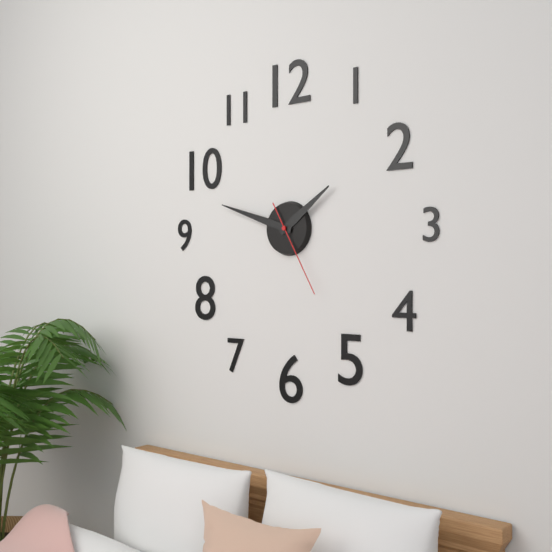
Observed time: 1:48:25
